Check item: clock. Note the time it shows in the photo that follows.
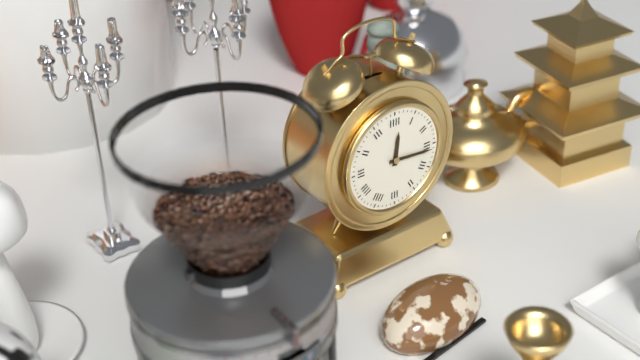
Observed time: 12:16
